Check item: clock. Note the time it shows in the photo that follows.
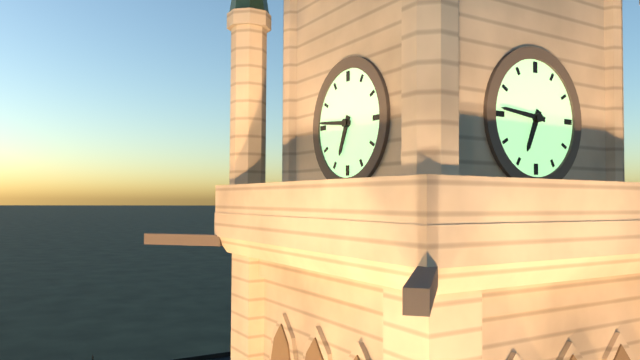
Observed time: 6:46
